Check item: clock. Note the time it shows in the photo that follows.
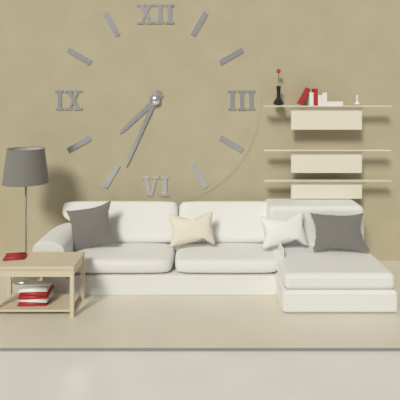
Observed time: 7:34
